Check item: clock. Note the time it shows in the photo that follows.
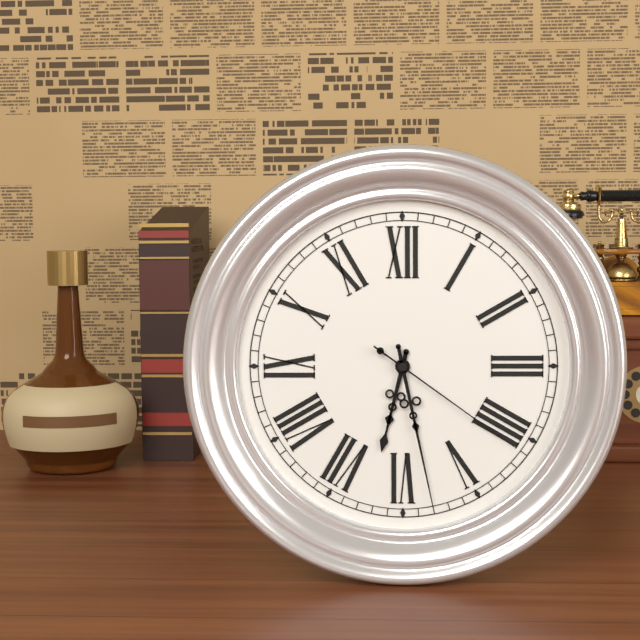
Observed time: 6:28:21
